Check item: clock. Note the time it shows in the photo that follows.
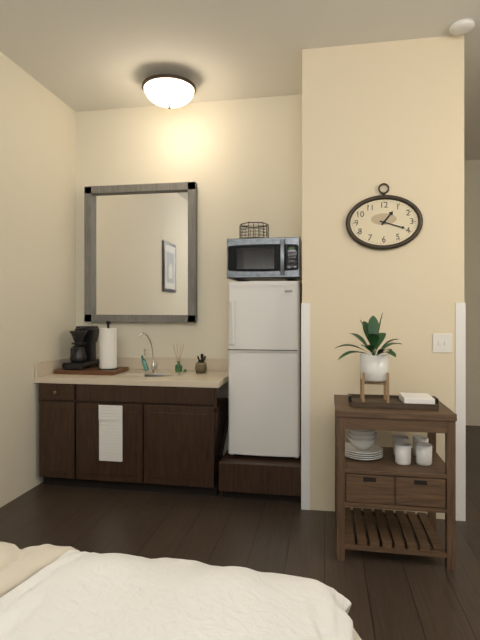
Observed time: 1:18
